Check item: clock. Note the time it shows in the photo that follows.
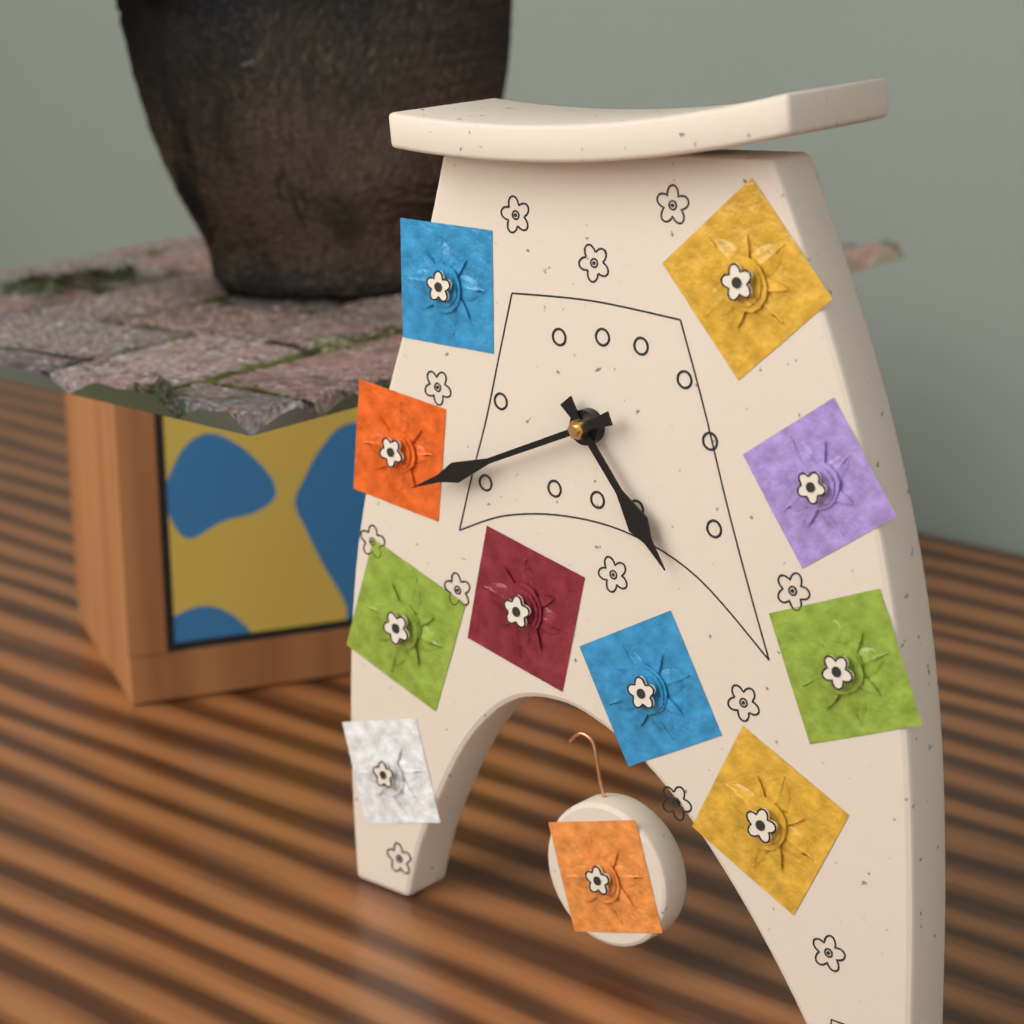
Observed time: 4:41
